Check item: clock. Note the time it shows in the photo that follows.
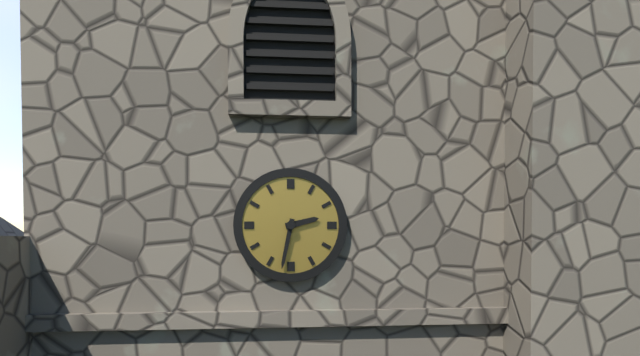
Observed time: 2:32
